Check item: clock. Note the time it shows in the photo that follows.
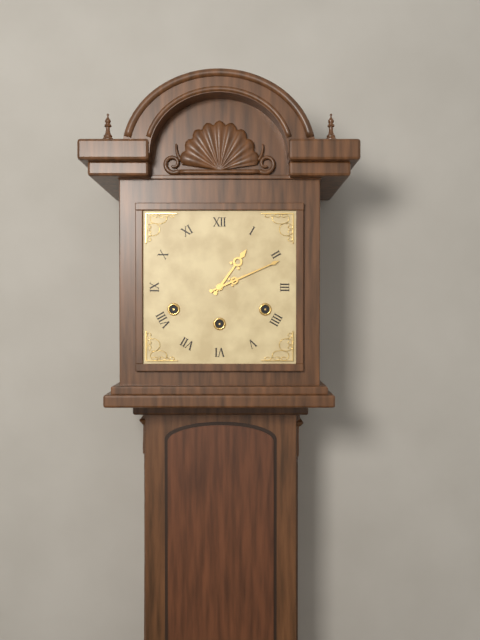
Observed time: 1:11
